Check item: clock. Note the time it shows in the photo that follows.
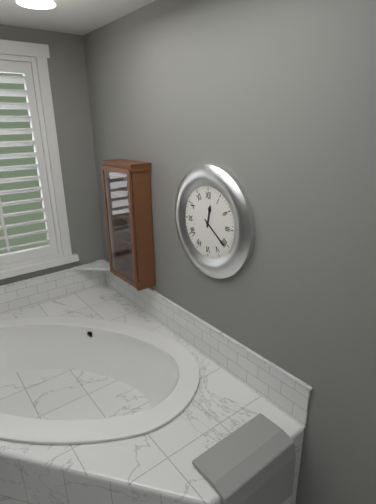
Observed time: 12:21
